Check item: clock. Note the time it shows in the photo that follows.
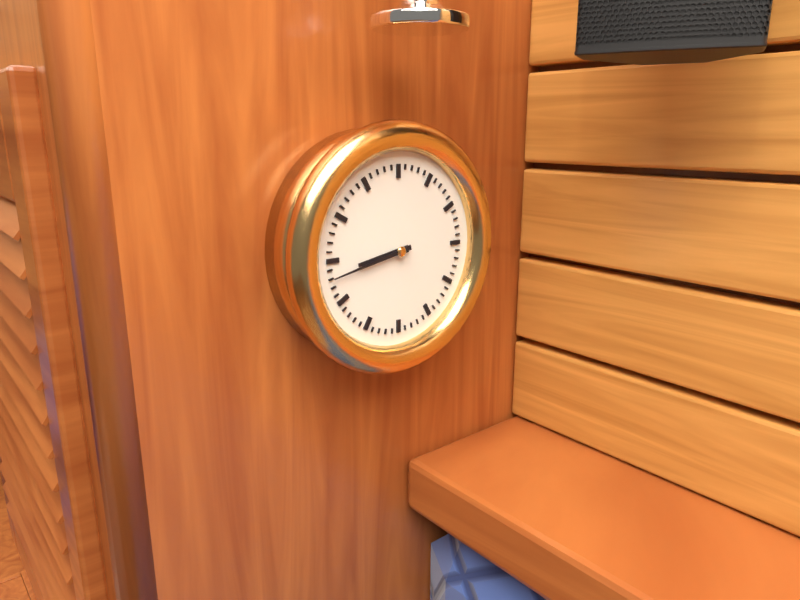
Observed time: 8:43
